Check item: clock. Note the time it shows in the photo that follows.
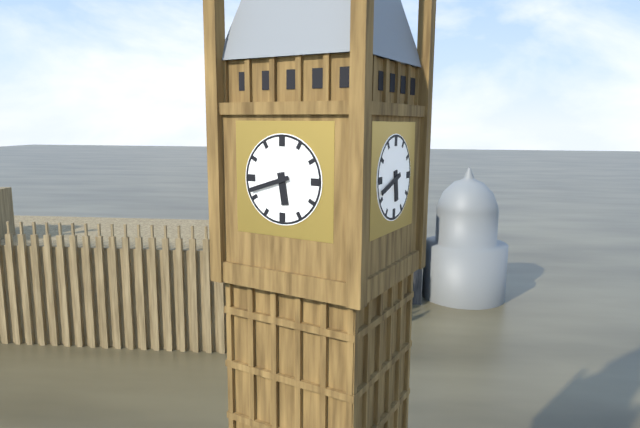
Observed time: 5:42
